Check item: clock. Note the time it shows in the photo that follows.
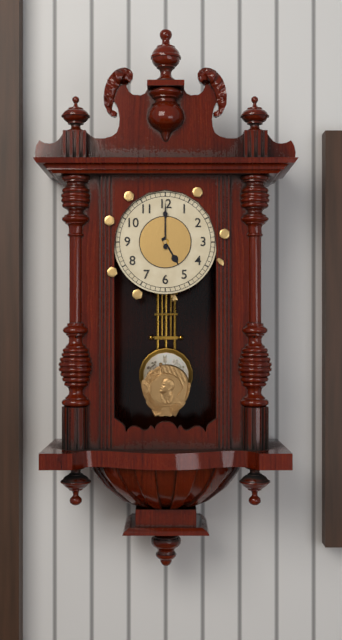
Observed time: 5:00
